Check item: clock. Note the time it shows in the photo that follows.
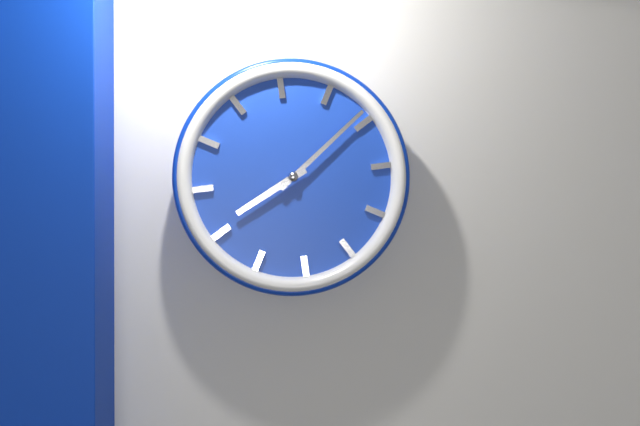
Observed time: 8:09
